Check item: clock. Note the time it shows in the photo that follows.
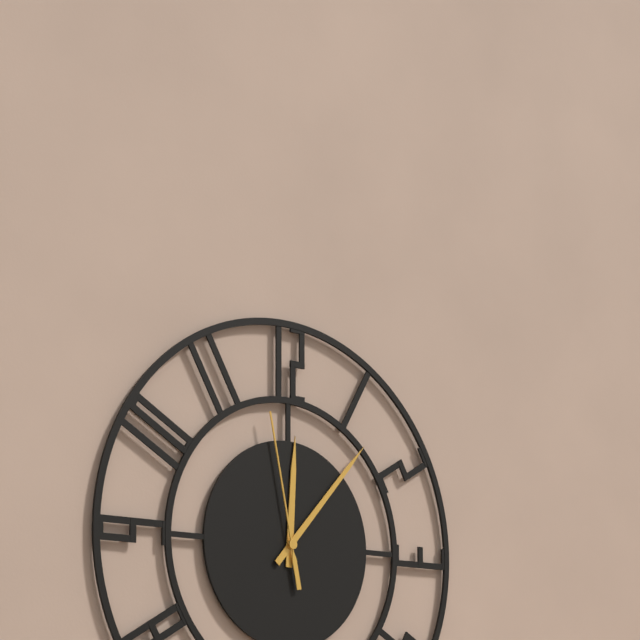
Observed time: 12:07:58
